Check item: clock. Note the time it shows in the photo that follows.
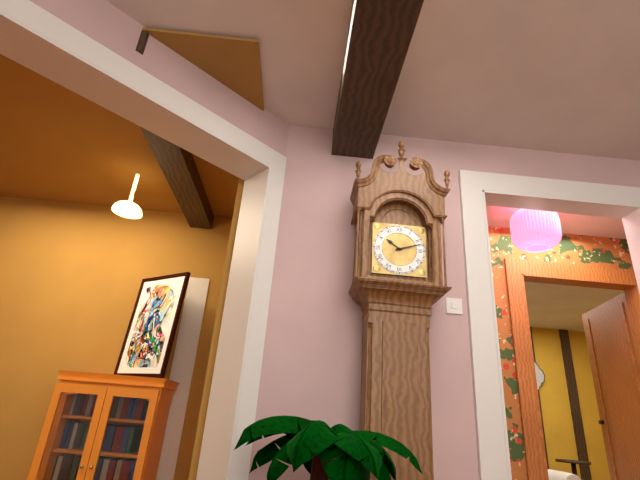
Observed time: 10:12
